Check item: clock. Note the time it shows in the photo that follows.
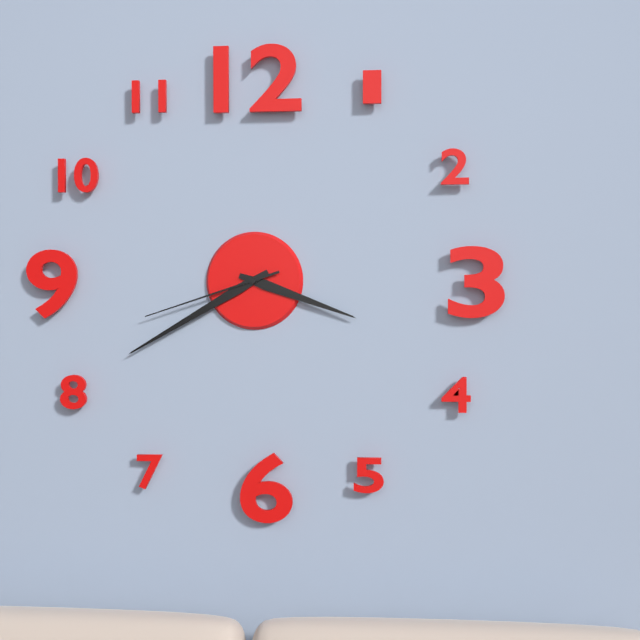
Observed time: 3:40:42
